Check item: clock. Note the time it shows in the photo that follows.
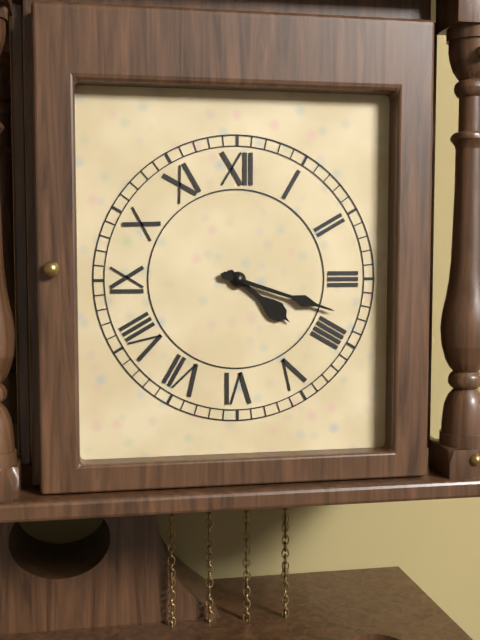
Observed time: 4:18
